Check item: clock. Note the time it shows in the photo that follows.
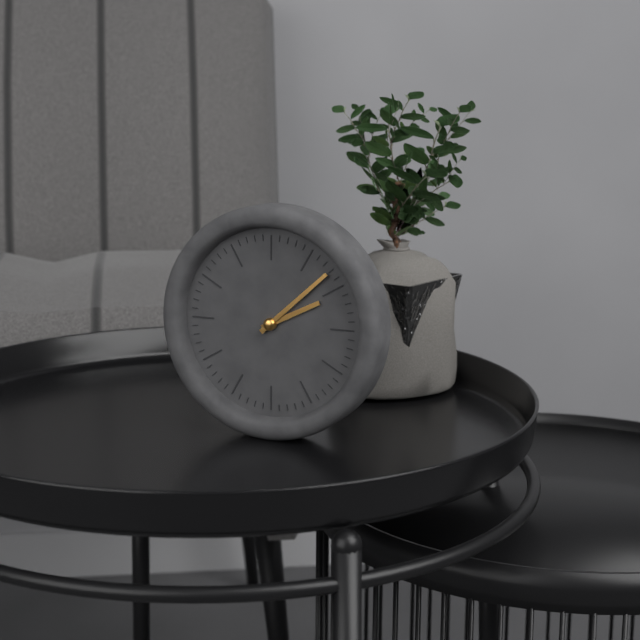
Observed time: 2:08
